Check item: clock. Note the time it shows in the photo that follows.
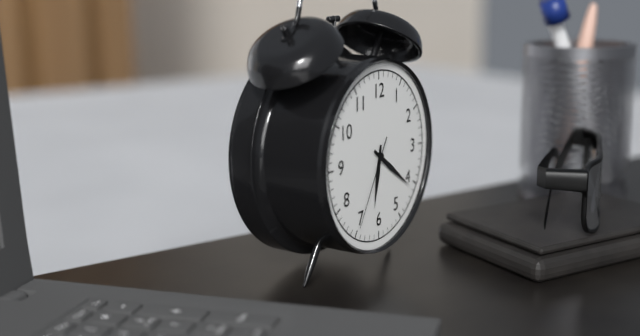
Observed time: 6:21:35
